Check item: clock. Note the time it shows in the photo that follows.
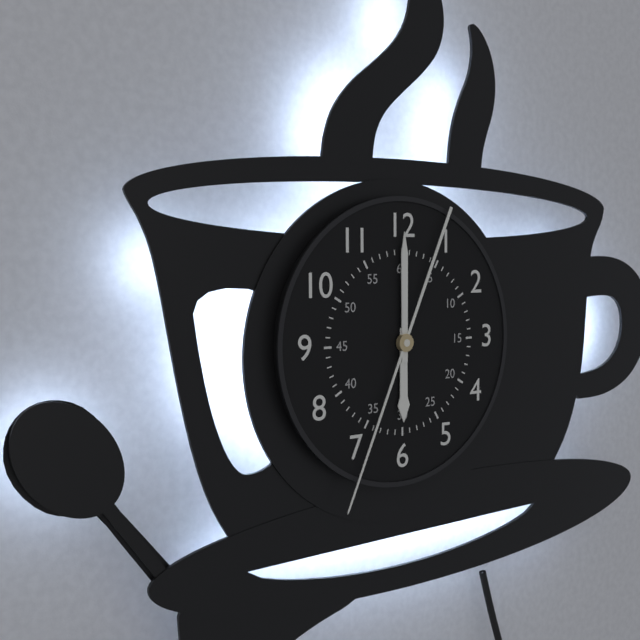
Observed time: 6:00:34
